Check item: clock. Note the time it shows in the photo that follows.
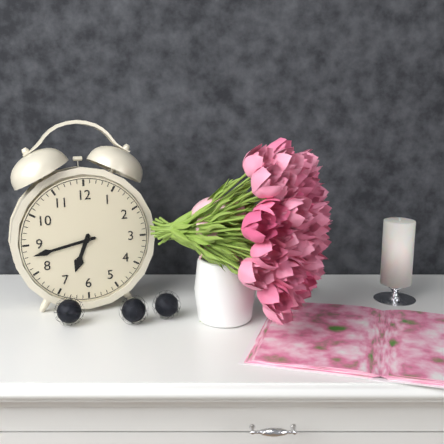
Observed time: 6:43
